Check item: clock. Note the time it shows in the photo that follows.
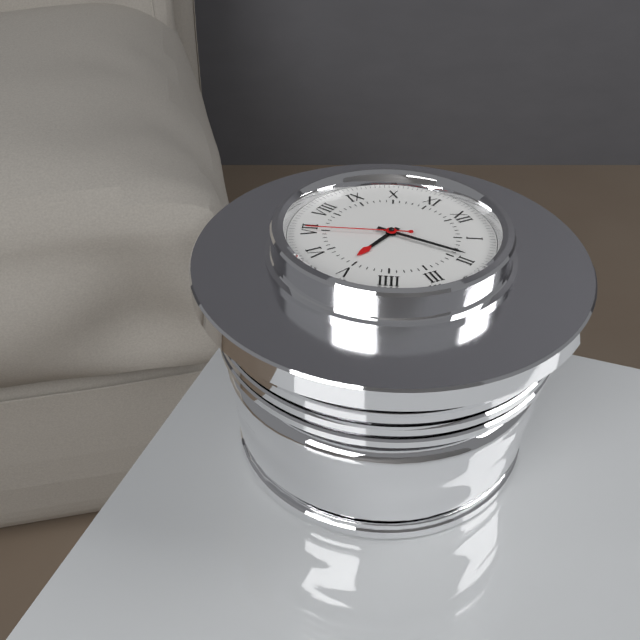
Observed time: 5:09:35
